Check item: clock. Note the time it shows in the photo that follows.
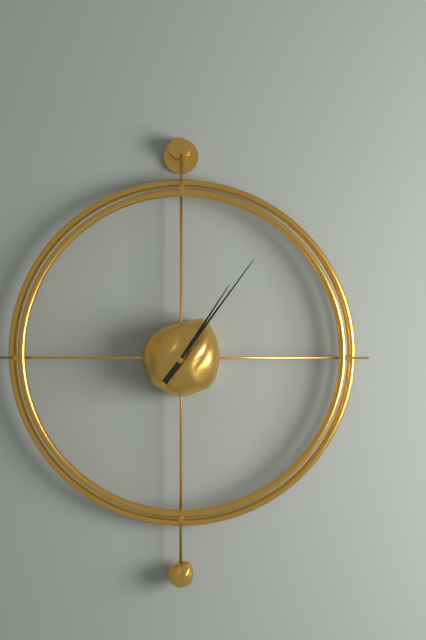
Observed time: 1:06
